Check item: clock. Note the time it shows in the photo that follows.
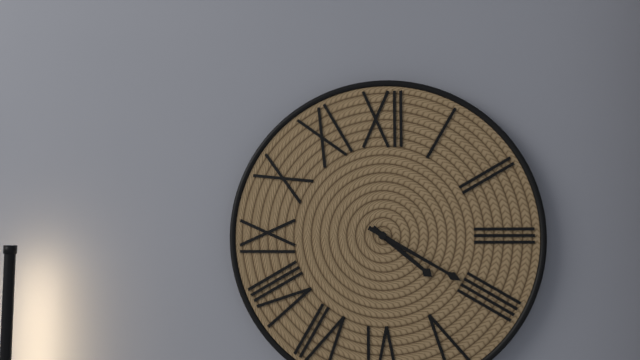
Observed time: 4:20
